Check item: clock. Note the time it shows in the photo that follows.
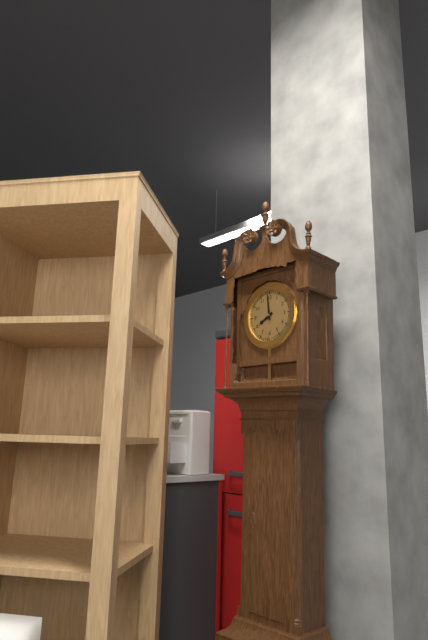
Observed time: 7:59
